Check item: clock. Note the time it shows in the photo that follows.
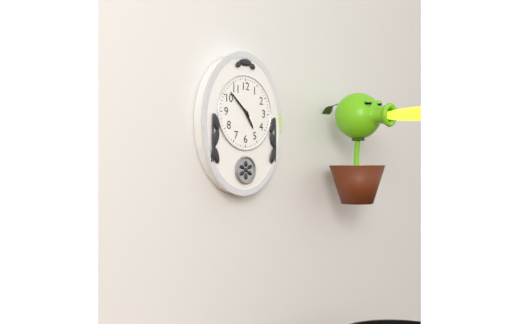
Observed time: 4:52
